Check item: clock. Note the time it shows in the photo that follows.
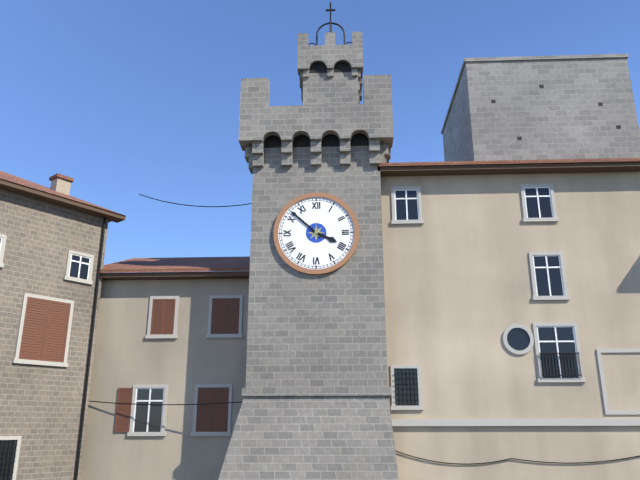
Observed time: 3:52
